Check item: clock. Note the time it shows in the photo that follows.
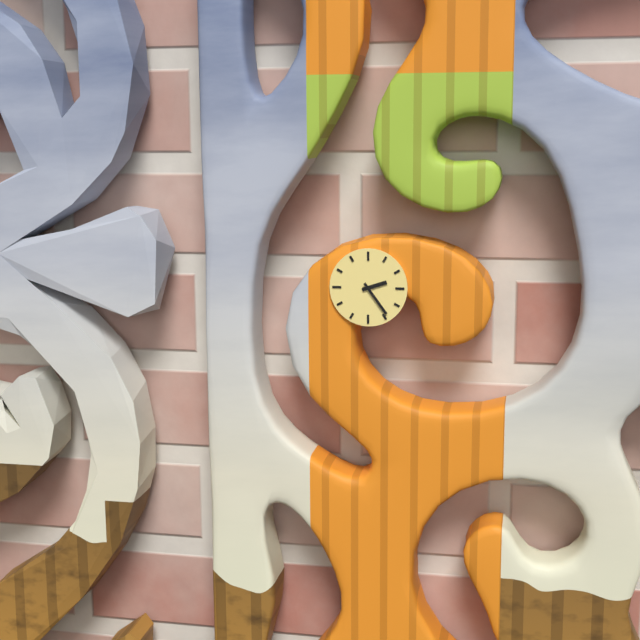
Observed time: 2:24
